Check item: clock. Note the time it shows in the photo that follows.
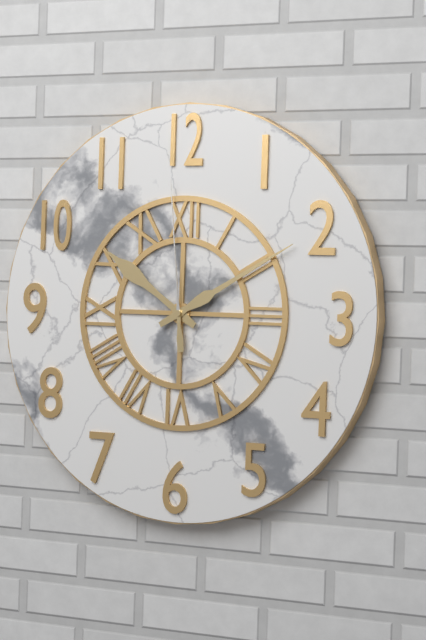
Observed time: 10:10:59
